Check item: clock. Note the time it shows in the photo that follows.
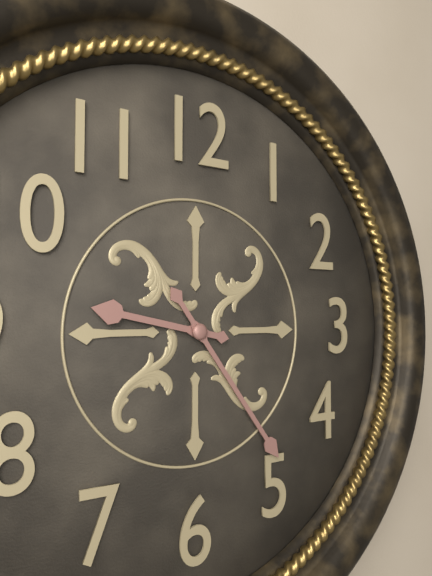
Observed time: 9:24
